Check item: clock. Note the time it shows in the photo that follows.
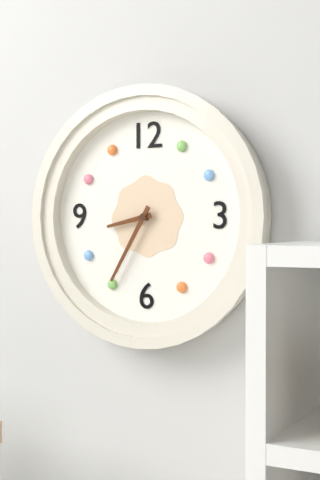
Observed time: 8:35
